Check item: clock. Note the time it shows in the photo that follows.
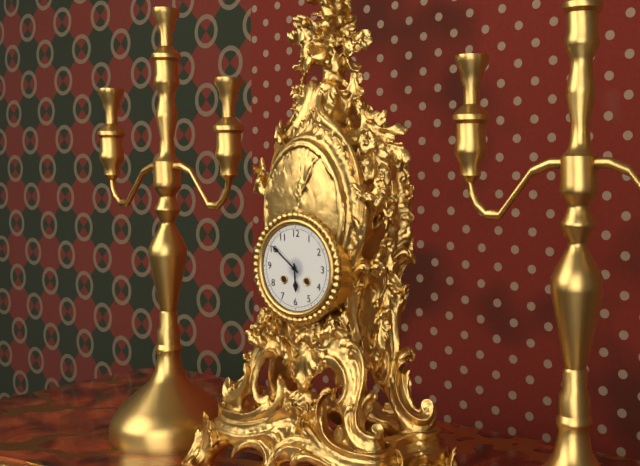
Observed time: 5:51
